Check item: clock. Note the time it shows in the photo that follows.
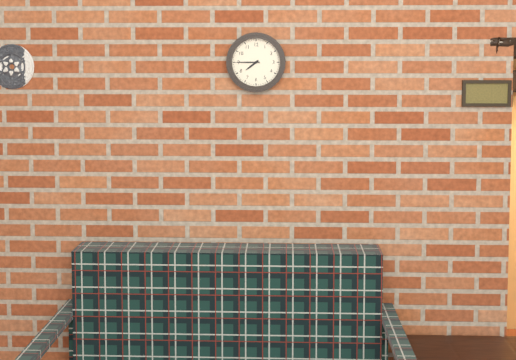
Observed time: 7:45
